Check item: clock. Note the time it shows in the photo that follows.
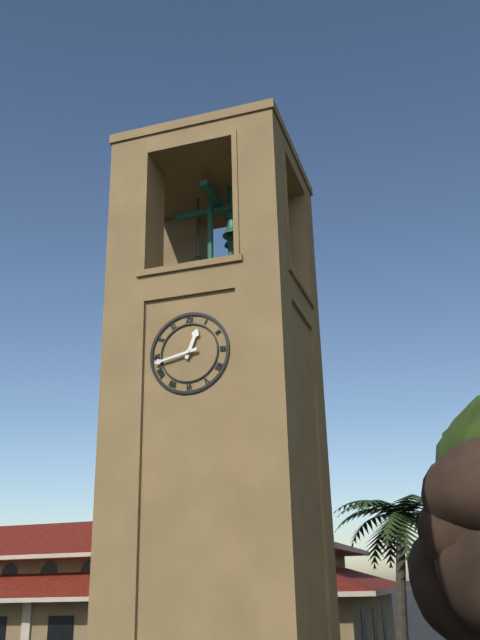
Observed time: 12:43
